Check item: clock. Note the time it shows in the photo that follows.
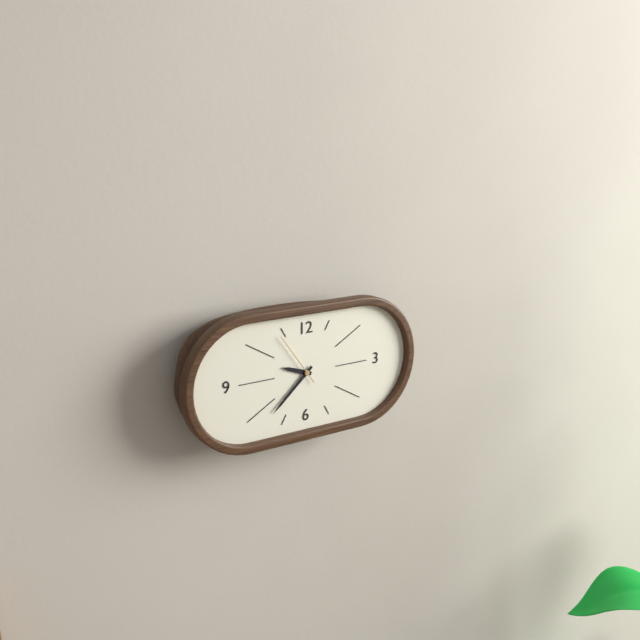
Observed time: 9:38:54
